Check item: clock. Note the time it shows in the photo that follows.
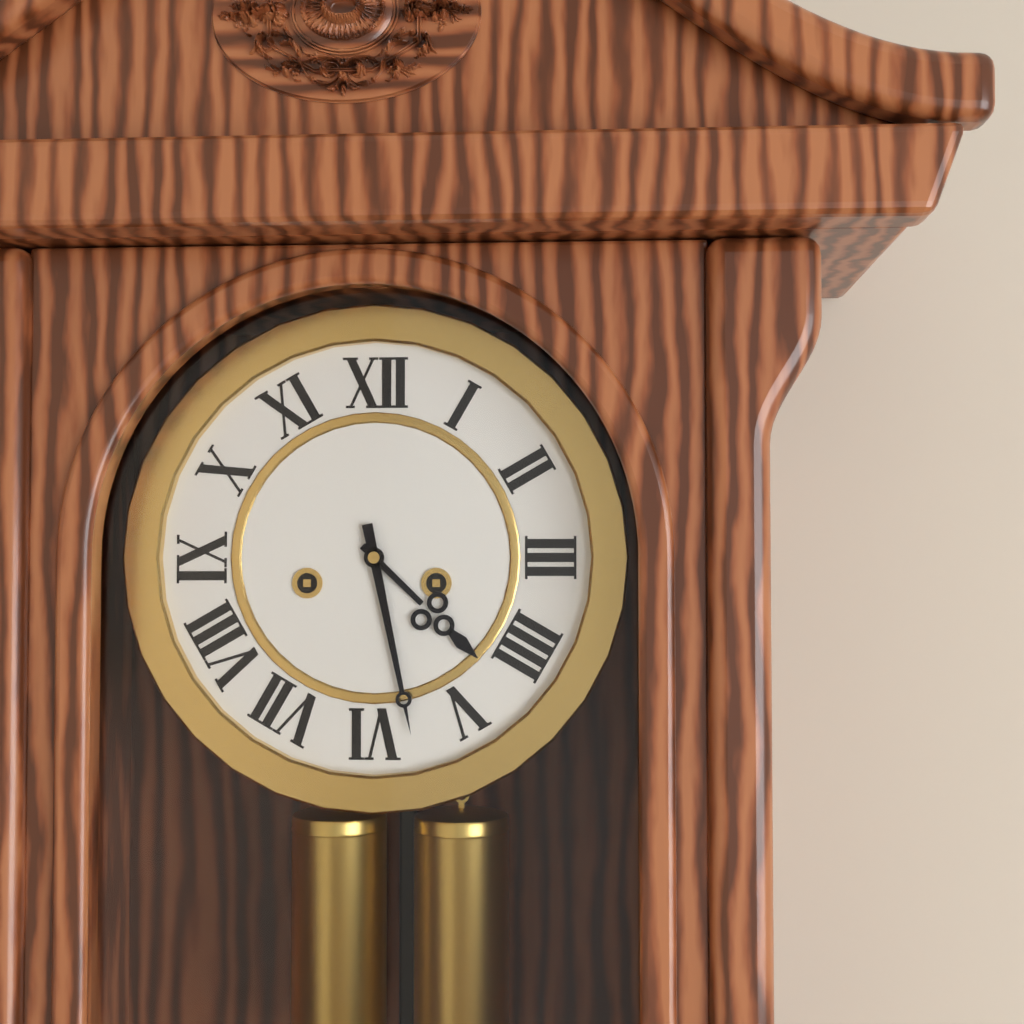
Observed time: 4:28
